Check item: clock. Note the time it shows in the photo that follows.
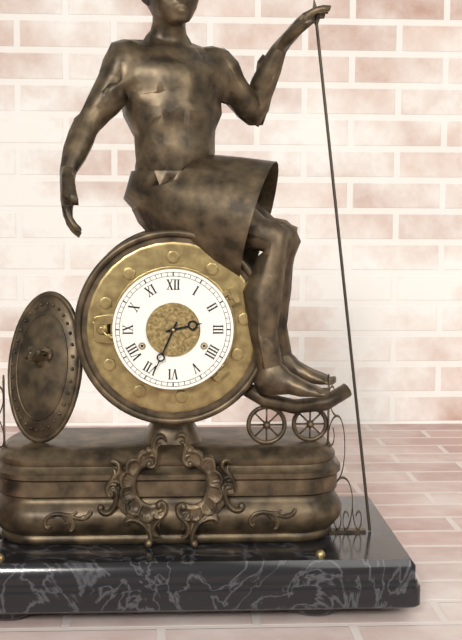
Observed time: 2:34
